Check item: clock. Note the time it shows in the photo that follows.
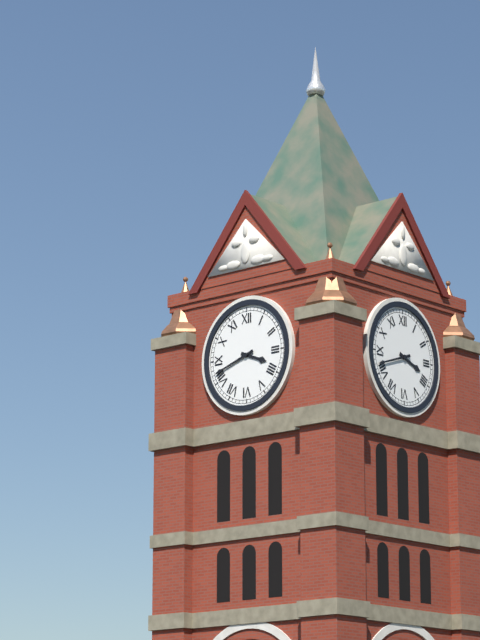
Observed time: 3:42
